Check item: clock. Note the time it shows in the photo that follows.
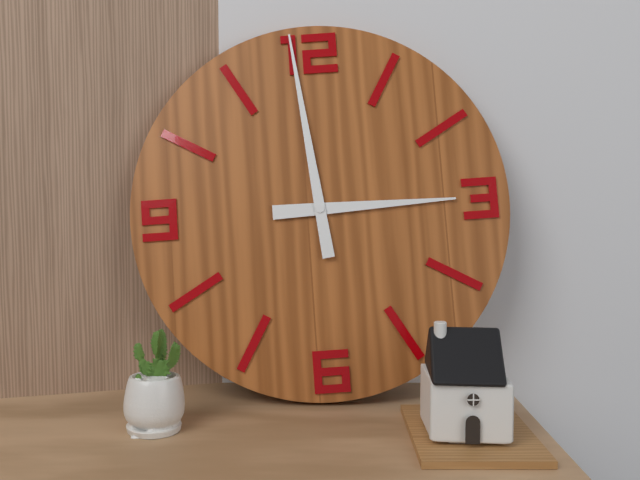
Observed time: 2:59
